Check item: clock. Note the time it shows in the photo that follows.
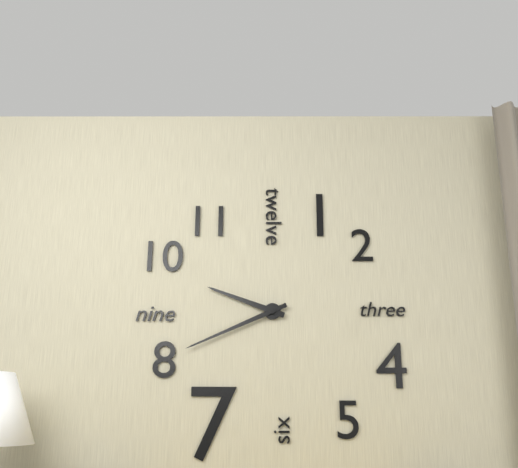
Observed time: 9:41
